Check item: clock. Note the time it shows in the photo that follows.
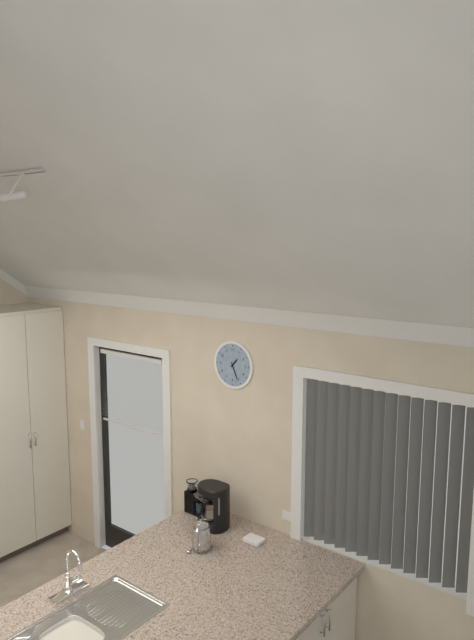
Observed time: 1:26
